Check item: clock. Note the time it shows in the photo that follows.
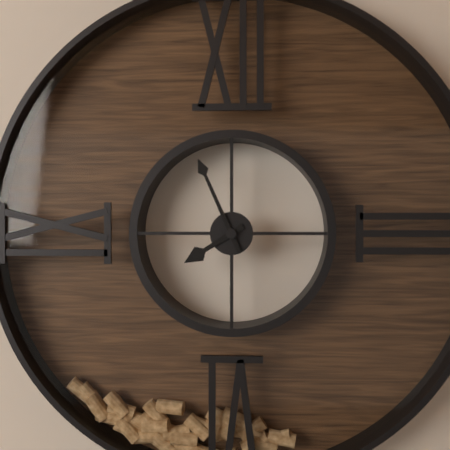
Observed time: 7:56
